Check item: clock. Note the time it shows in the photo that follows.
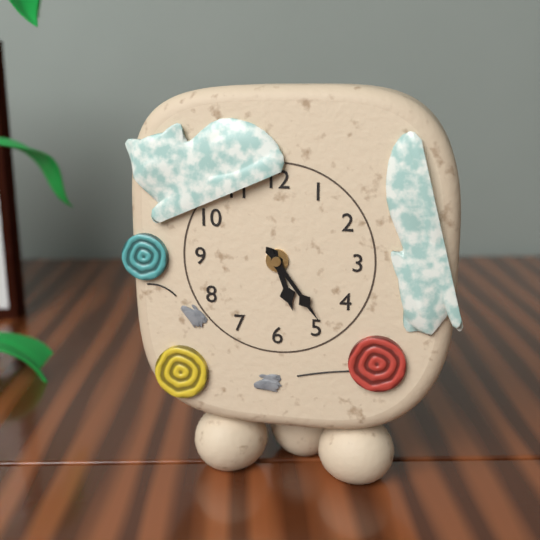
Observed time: 5:24
